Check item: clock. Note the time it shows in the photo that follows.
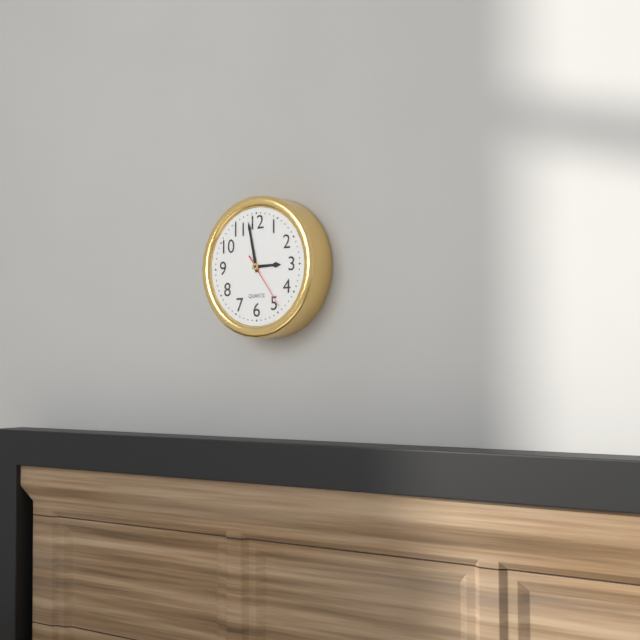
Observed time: 2:58:24
